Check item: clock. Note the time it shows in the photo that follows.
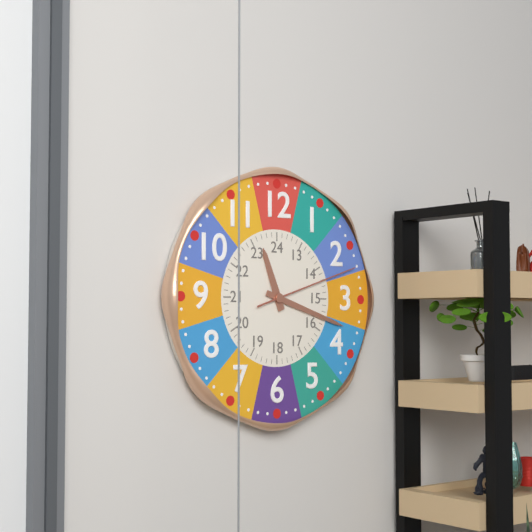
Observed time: 11:18:12
